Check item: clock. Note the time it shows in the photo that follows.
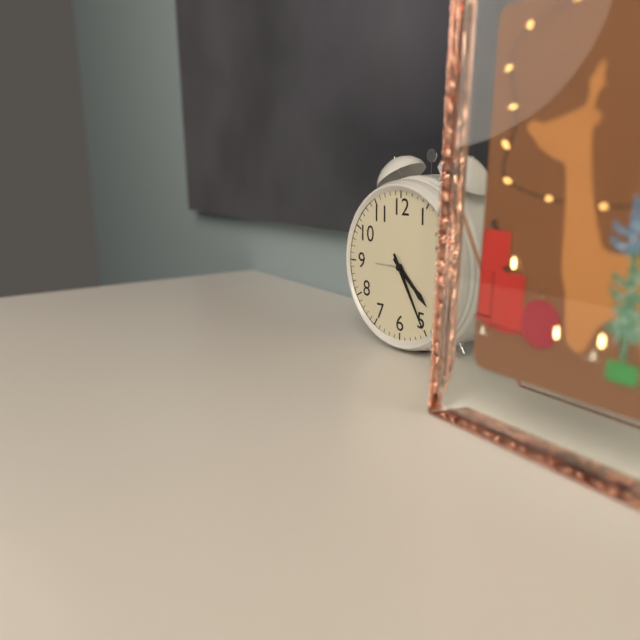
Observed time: 4:25
